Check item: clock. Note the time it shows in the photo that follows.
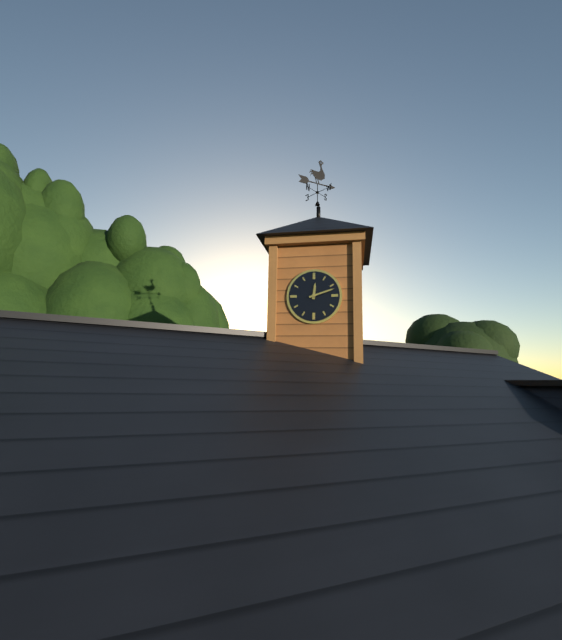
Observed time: 12:12
